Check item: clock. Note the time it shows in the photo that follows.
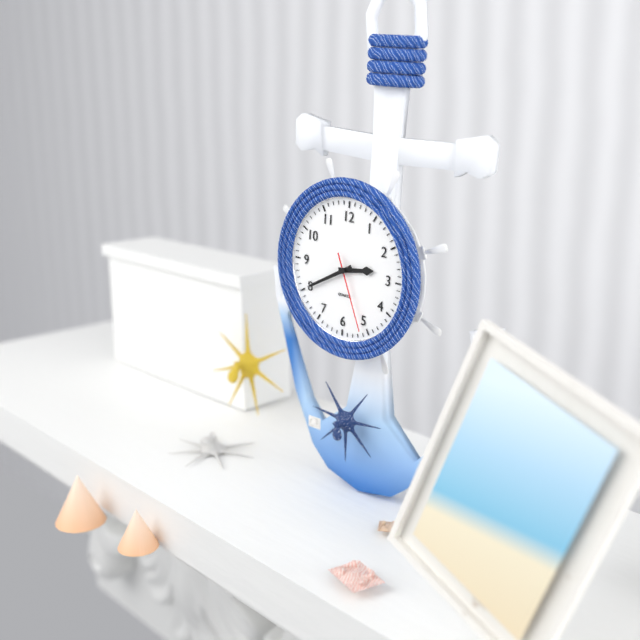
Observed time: 2:40:26
